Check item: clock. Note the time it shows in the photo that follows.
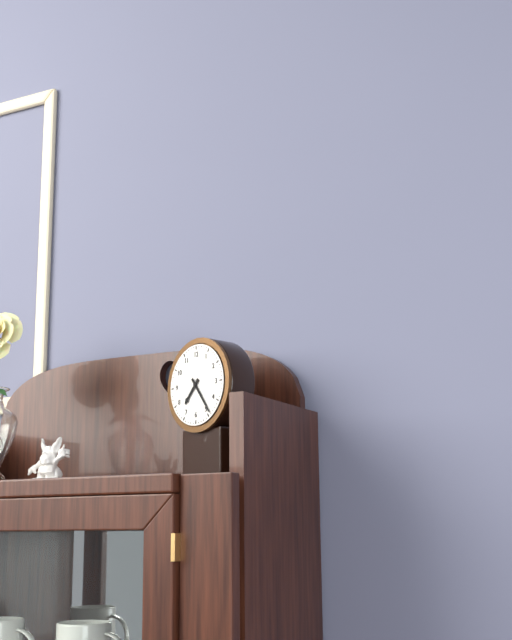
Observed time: 7:24
